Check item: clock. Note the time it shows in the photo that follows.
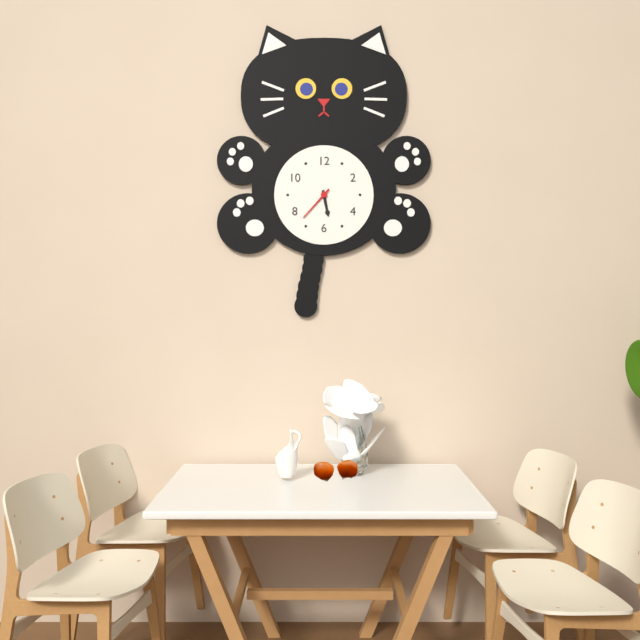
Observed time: 5:37
